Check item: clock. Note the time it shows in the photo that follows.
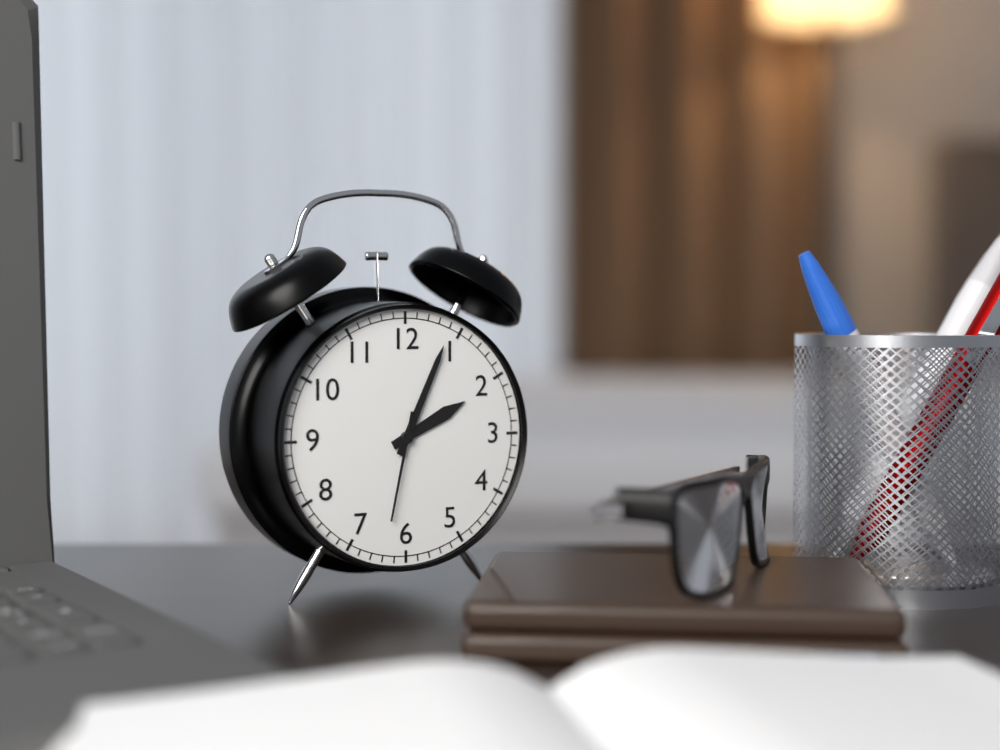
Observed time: 2:04:32
